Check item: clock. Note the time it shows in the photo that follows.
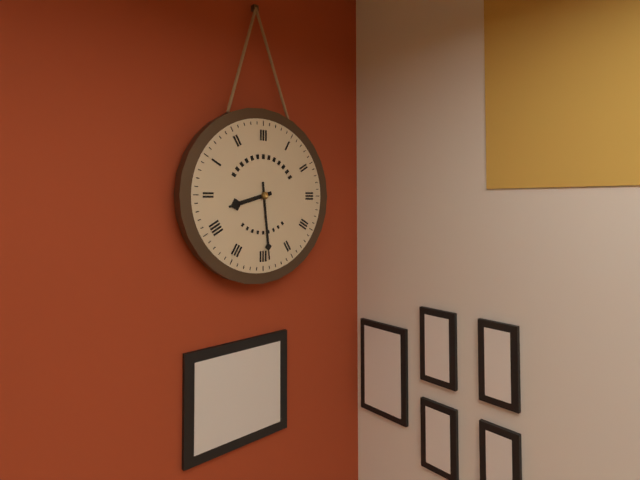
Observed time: 8:29
